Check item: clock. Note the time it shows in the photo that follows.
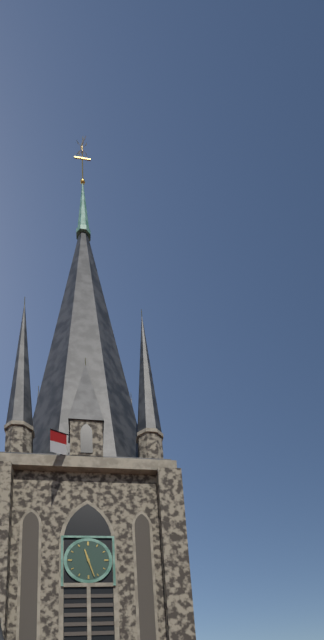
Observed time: 11:27
